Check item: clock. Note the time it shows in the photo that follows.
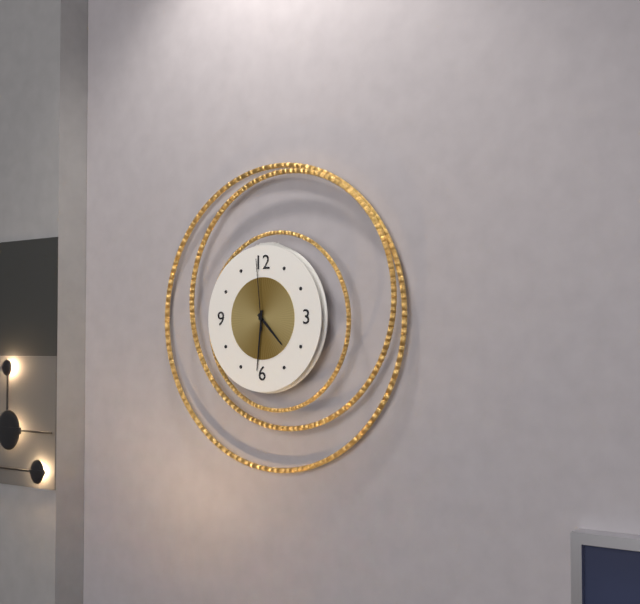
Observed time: 4:31:59
